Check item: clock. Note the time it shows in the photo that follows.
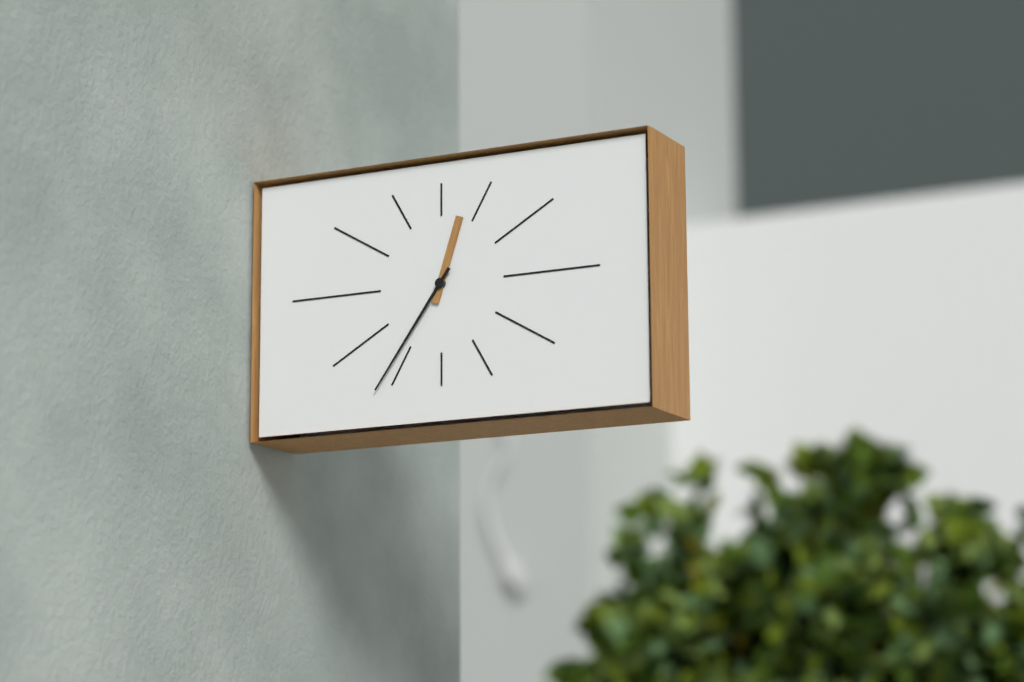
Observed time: 12:36
